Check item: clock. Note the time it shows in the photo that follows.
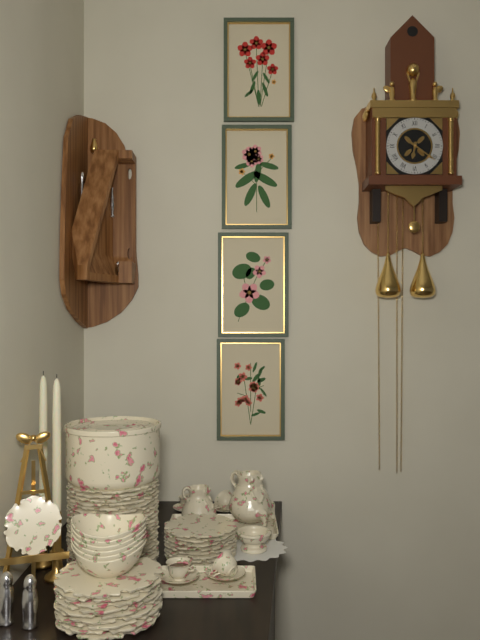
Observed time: 6:21
